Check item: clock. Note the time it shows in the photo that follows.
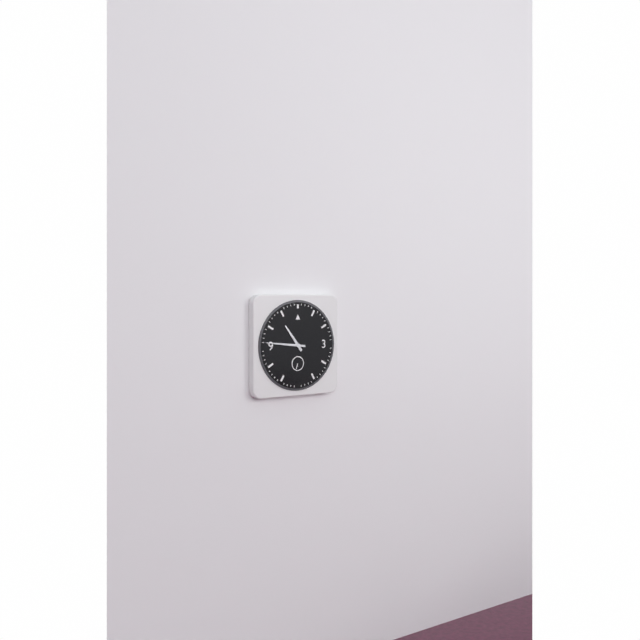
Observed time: 10:46
